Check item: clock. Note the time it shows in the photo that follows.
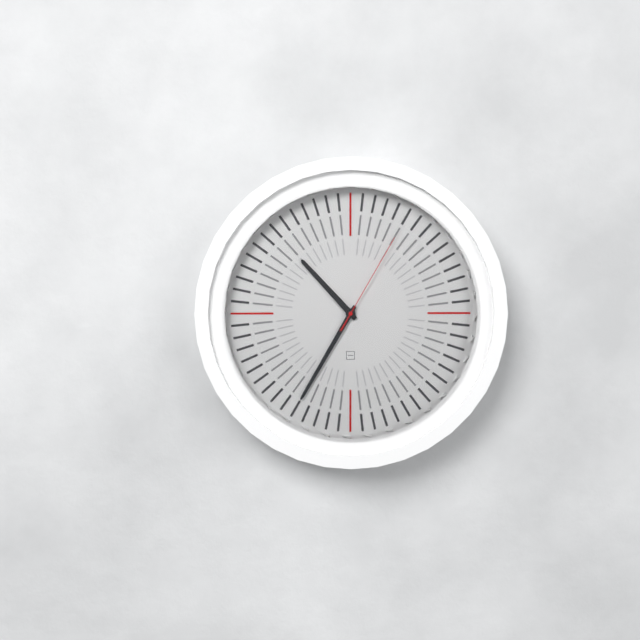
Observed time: 10:35:05
